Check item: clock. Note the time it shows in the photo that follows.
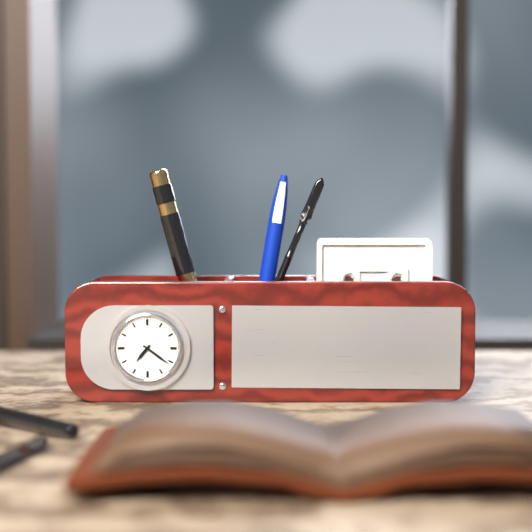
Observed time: 7:21
